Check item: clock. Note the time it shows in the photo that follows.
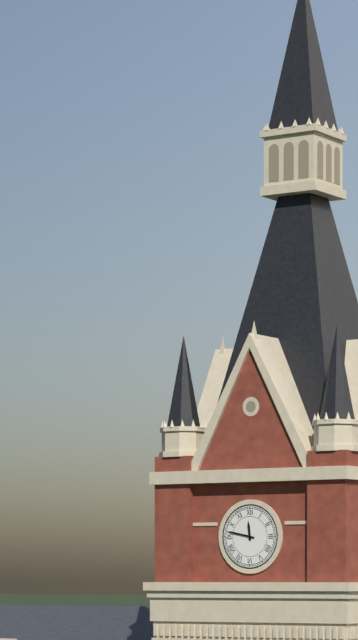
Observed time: 11:47
